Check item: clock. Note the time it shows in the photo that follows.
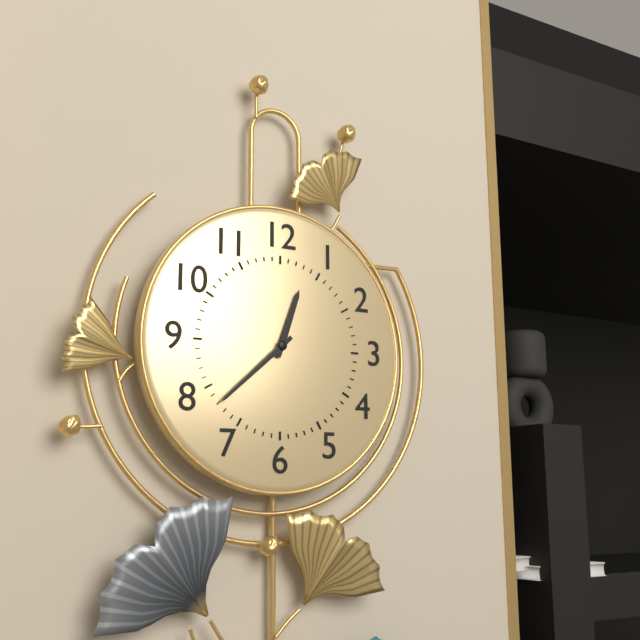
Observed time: 12:38
